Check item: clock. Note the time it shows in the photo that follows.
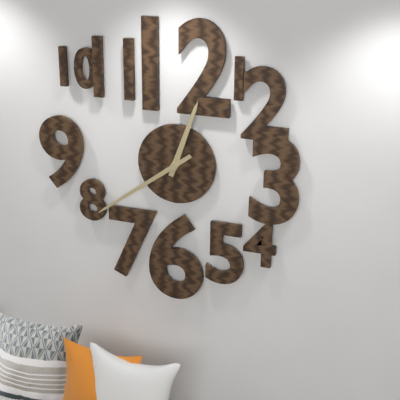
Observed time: 12:39
